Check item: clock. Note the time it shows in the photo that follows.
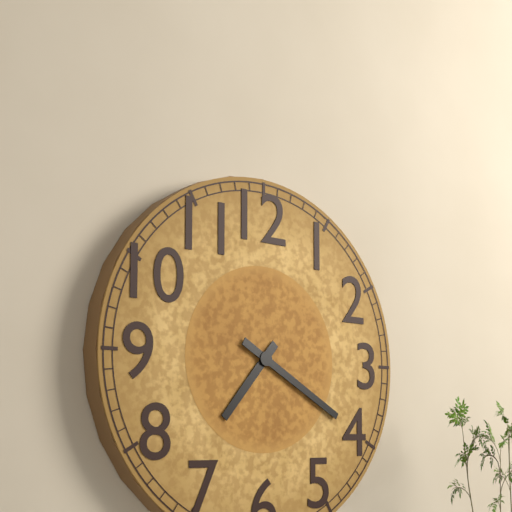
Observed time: 7:20
